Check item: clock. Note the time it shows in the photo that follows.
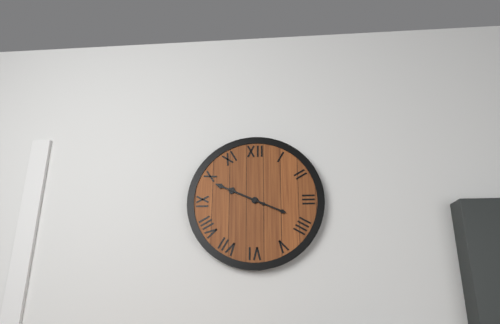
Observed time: 9:49
